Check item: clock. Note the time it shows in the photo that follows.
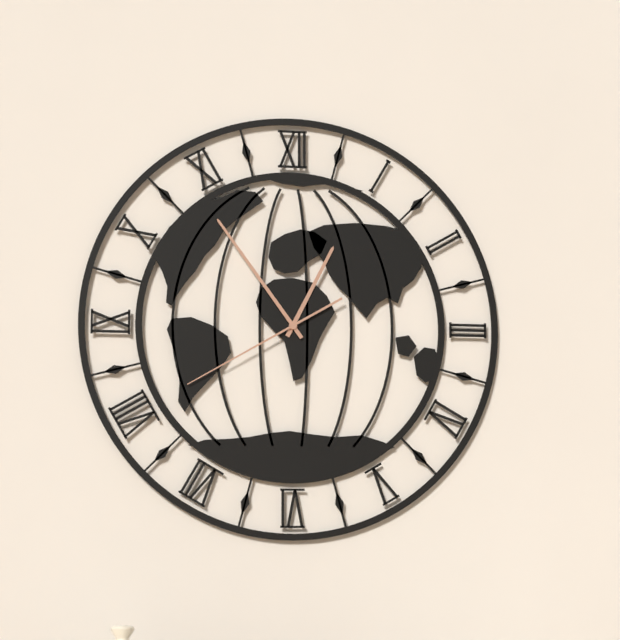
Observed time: 12:54:40
